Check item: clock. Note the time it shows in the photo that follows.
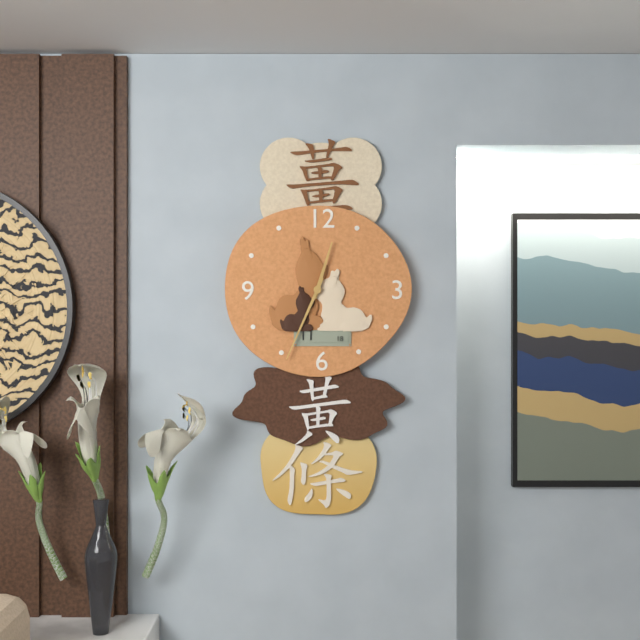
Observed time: 12:34
